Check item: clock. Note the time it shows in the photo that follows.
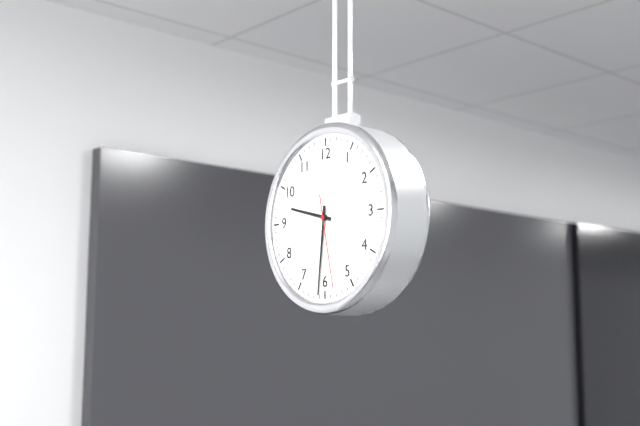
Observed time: 9:31:28
